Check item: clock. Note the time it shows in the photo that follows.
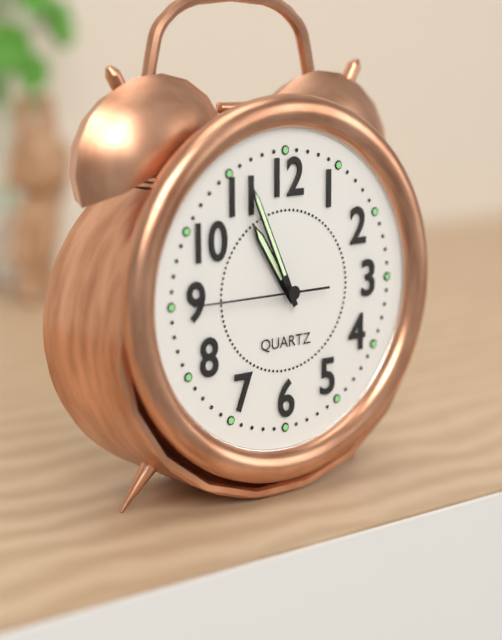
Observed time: 10:56:45
